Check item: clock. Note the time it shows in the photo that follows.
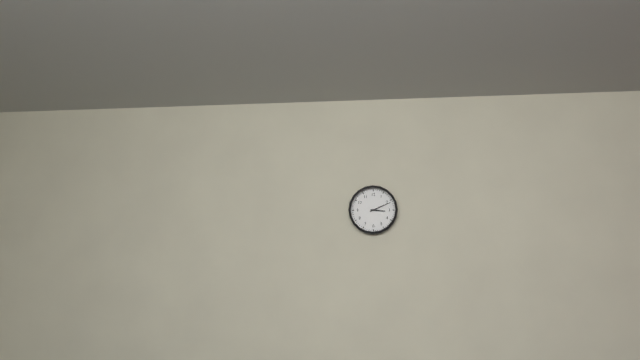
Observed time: 3:11
